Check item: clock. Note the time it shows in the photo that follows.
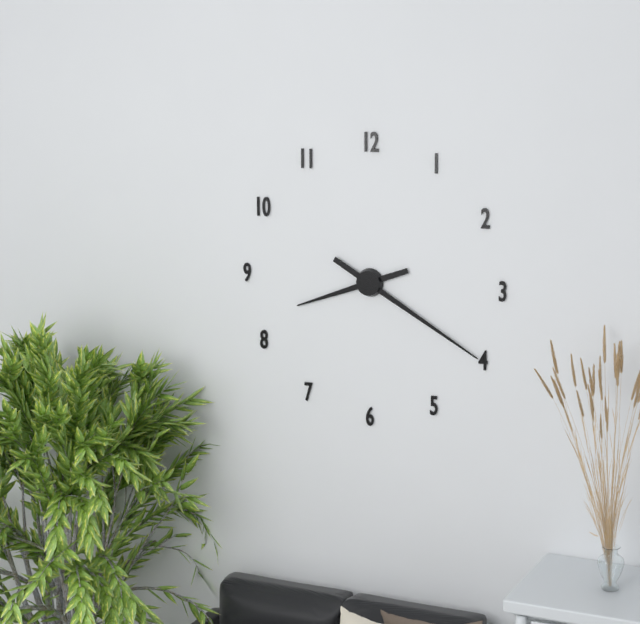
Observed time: 8:20
